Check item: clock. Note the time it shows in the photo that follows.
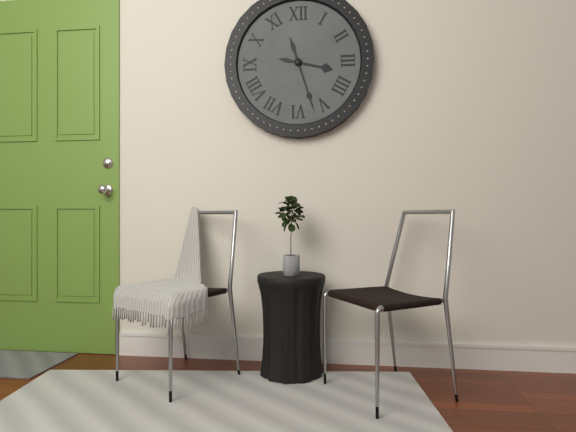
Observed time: 3:27
